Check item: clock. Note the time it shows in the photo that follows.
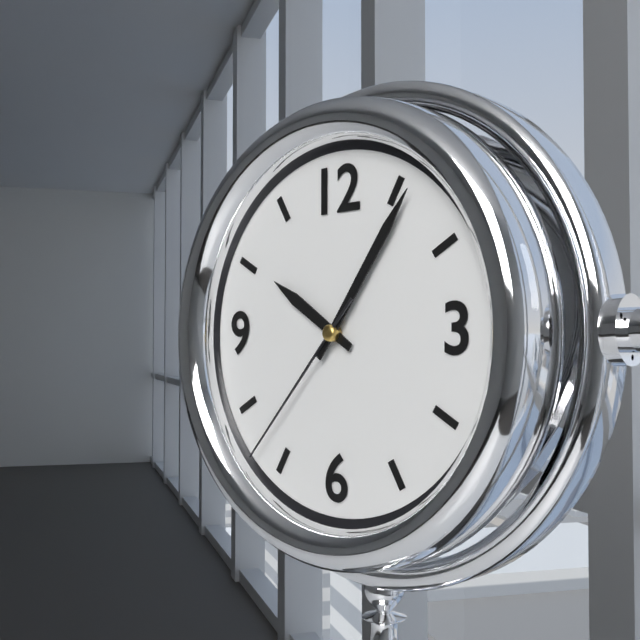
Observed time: 10:06:37
